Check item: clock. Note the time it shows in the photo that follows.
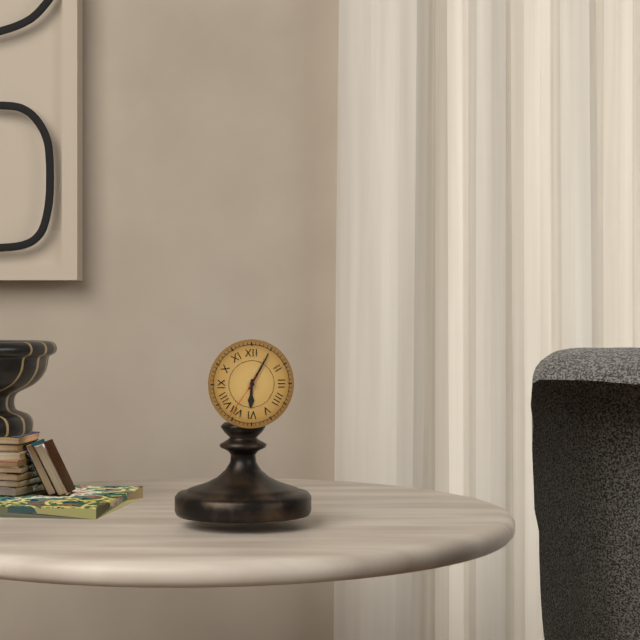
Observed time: 6:05:36
